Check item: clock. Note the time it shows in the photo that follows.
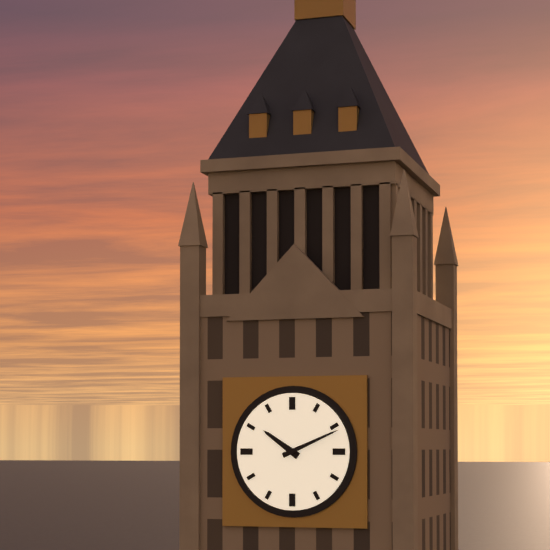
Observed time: 10:11
